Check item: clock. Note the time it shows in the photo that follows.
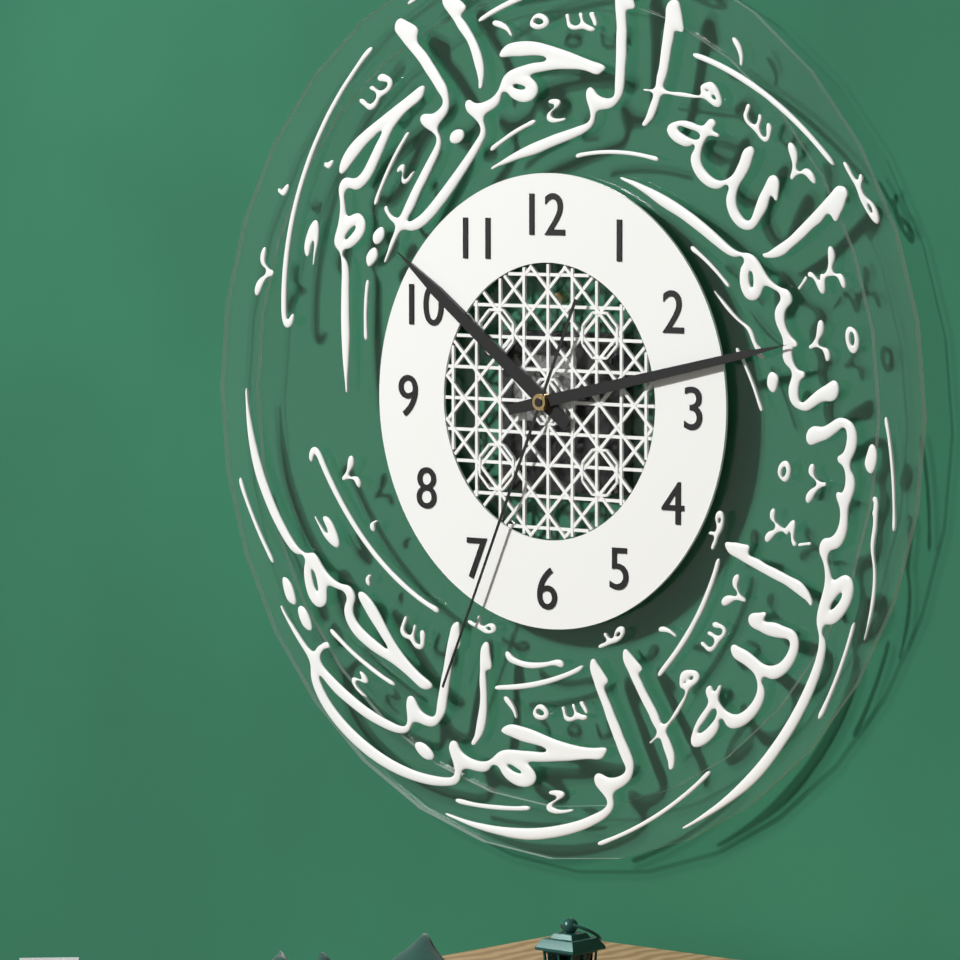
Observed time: 10:13:34
